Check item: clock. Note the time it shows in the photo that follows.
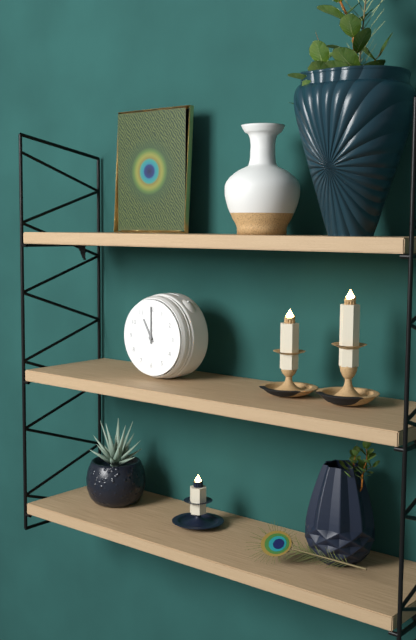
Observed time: 11:00
